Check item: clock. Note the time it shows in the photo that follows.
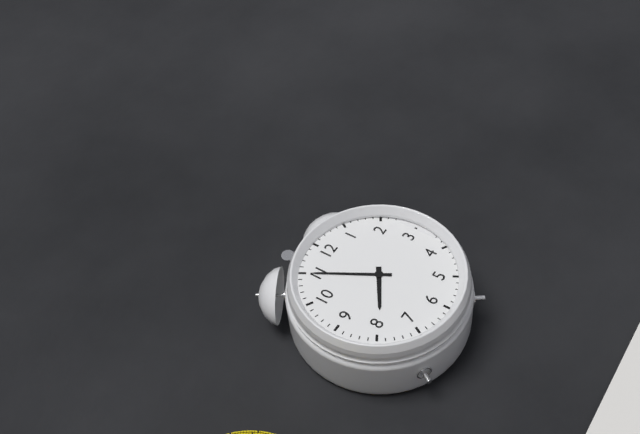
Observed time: 7:55
